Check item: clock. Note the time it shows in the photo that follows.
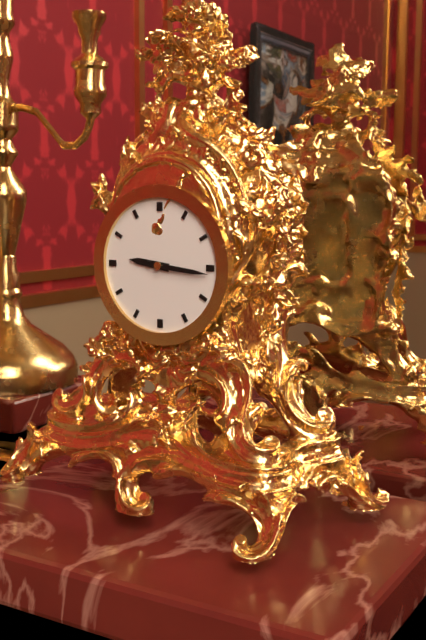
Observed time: 9:16
